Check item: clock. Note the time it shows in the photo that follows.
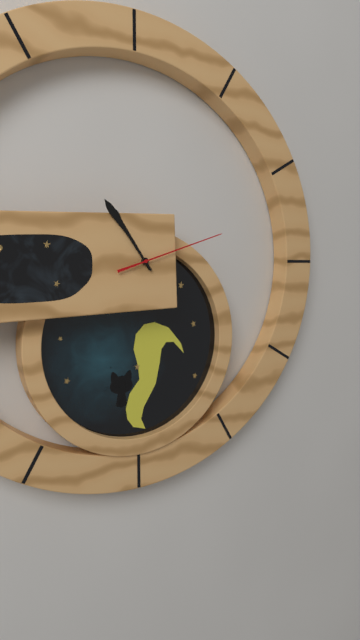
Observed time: 10:54:12
